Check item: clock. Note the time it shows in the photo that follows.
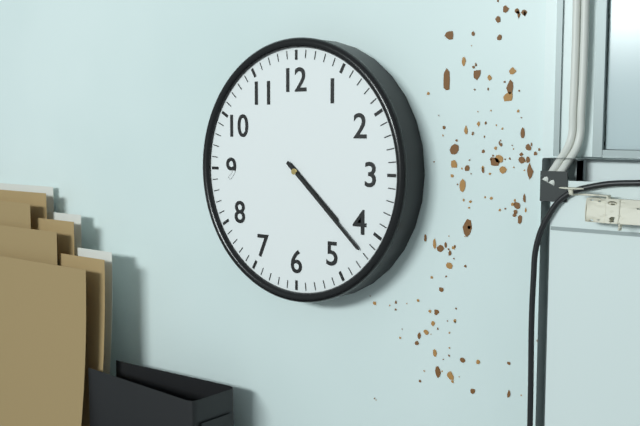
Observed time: 4:22
